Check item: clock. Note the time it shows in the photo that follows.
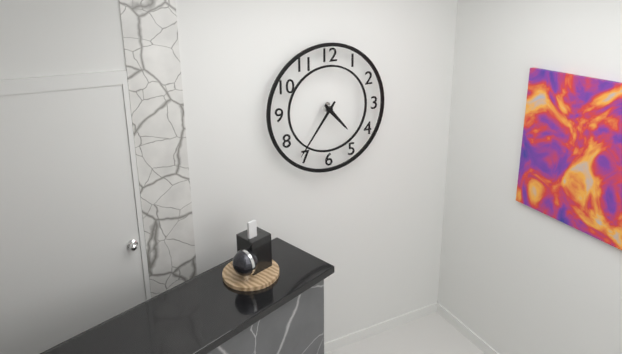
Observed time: 4:36
